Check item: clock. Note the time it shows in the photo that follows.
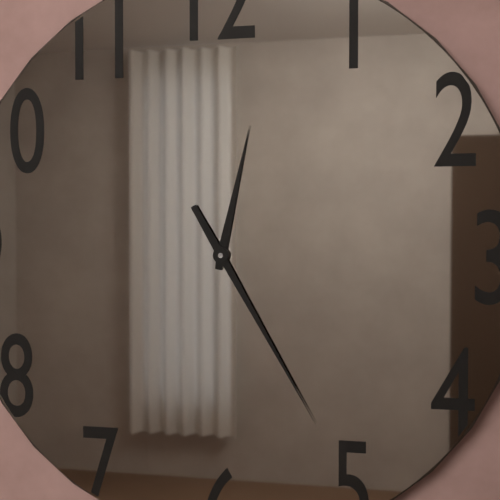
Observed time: 12:25
